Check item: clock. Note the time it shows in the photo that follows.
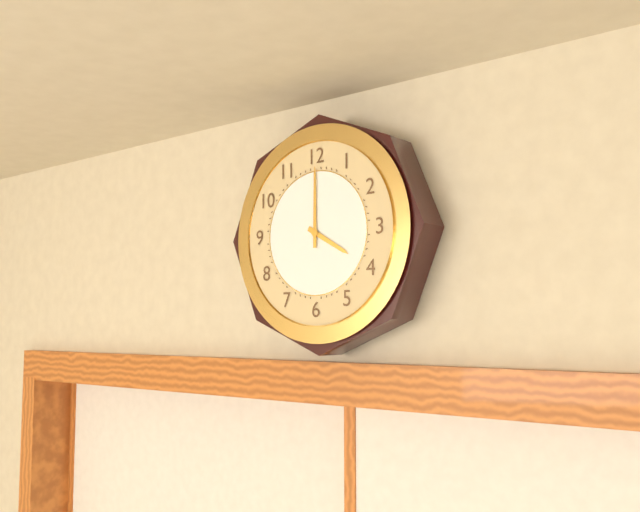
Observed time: 4:00
